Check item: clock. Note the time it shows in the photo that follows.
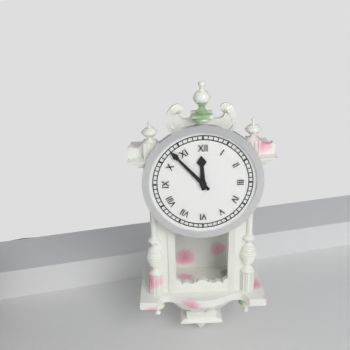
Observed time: 11:53
